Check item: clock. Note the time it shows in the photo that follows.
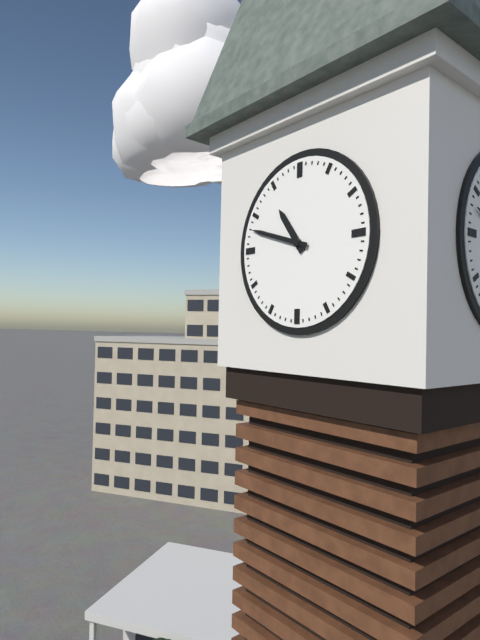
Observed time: 10:48
